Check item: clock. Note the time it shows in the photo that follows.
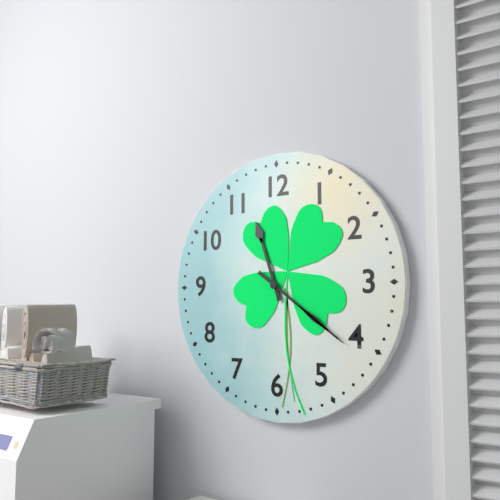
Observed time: 11:21
